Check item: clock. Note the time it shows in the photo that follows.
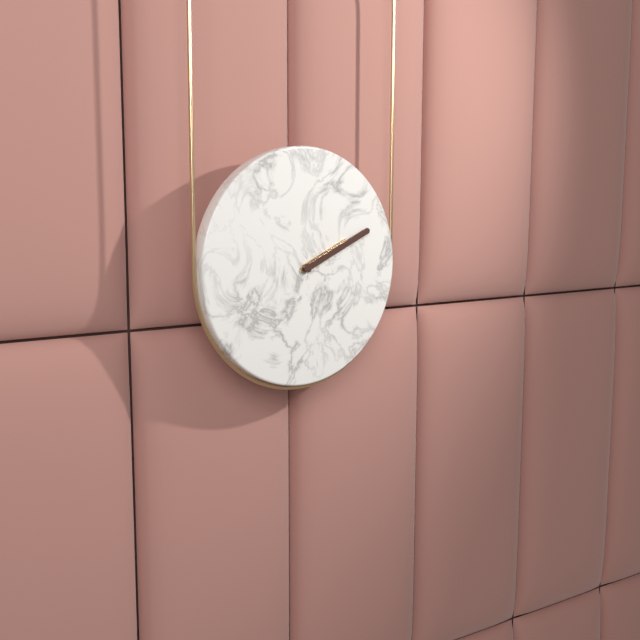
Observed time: 2:11
